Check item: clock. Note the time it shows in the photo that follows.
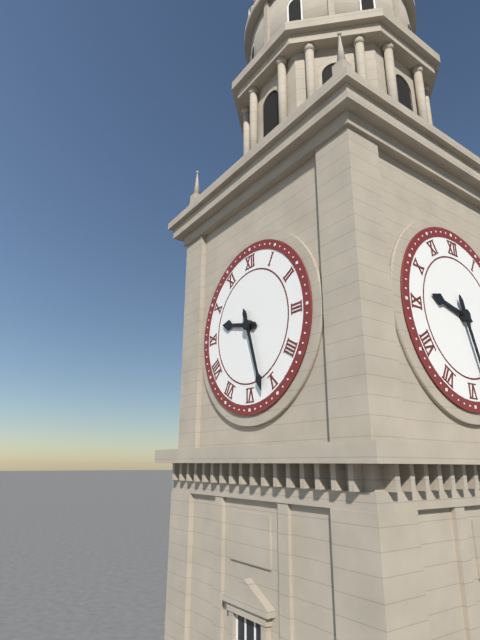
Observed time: 9:27
